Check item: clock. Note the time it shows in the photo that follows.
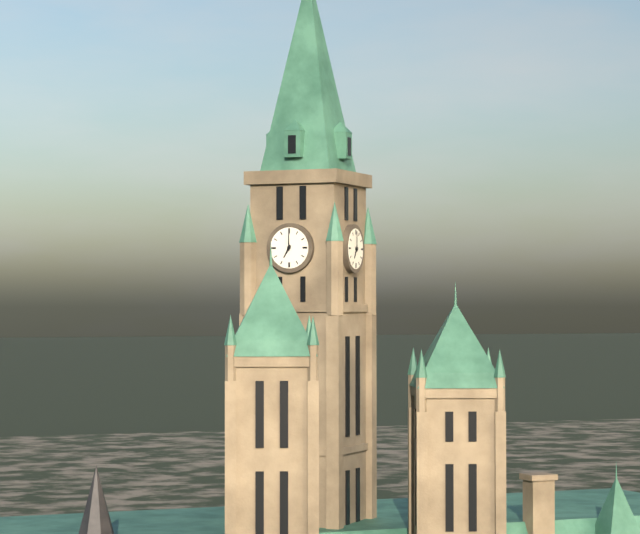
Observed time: 7:00
